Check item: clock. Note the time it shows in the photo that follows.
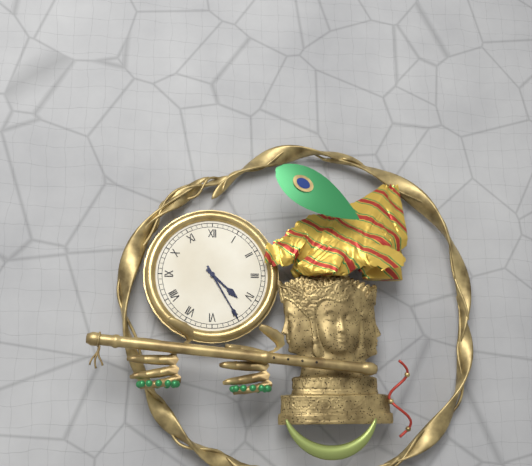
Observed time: 4:25
